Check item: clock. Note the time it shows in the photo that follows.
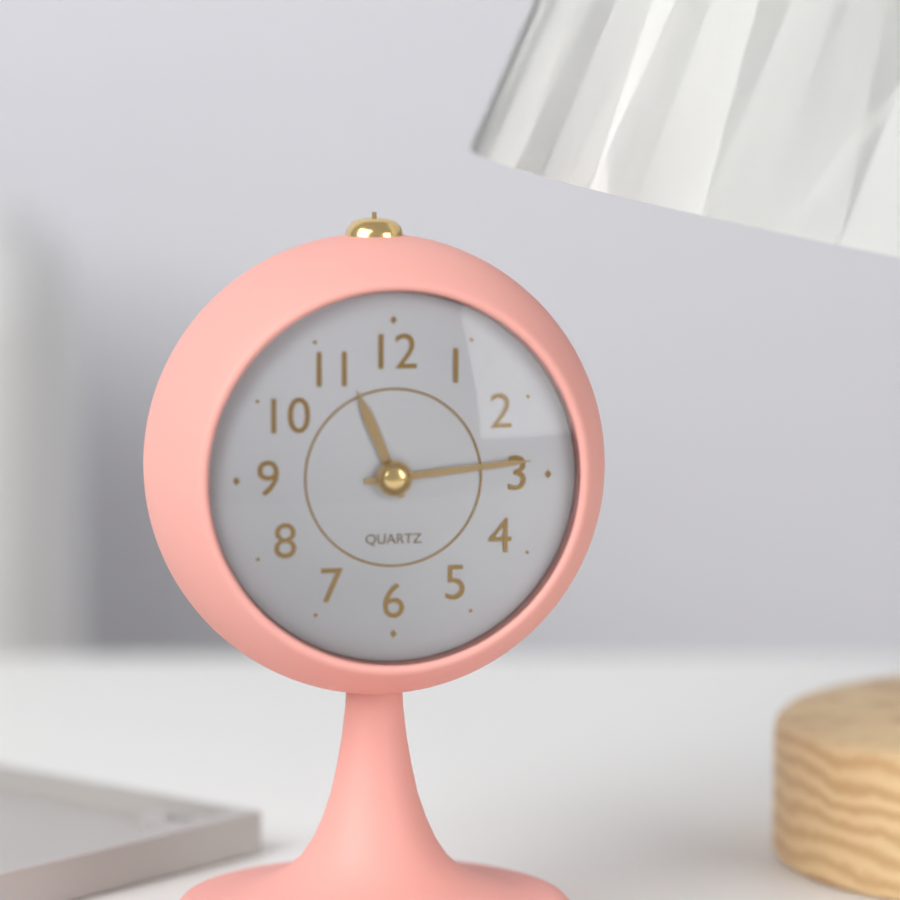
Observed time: 11:14
